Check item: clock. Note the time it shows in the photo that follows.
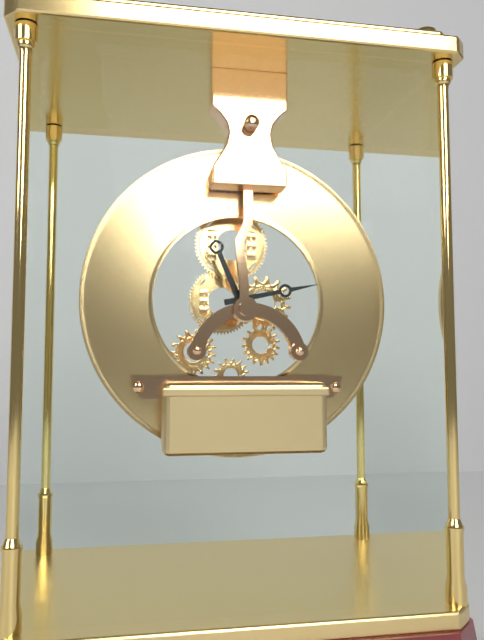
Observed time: 11:13
